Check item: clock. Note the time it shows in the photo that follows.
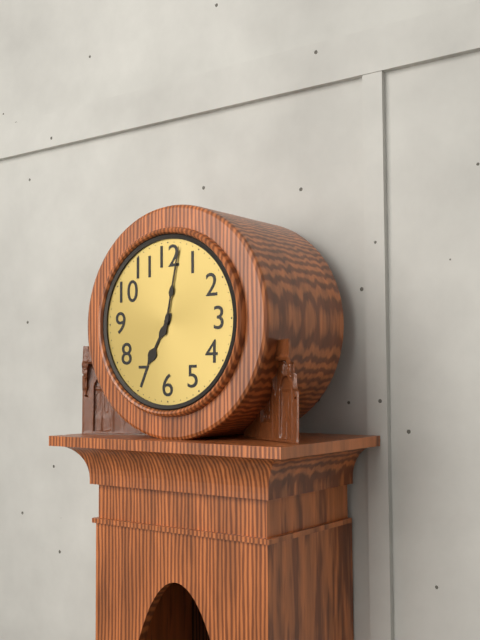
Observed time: 7:02
